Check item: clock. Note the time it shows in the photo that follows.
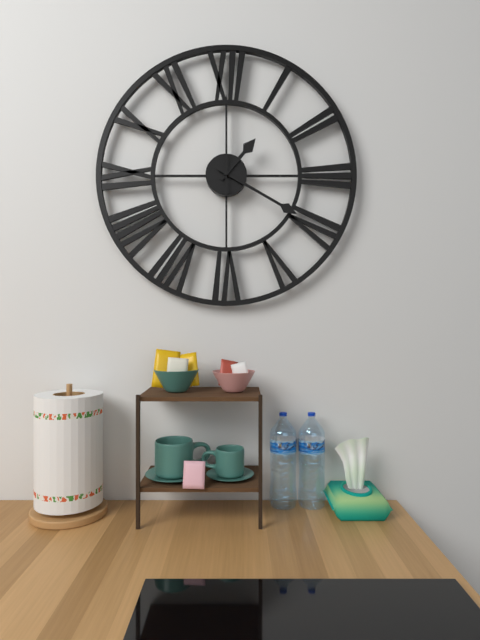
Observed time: 1:20:00
